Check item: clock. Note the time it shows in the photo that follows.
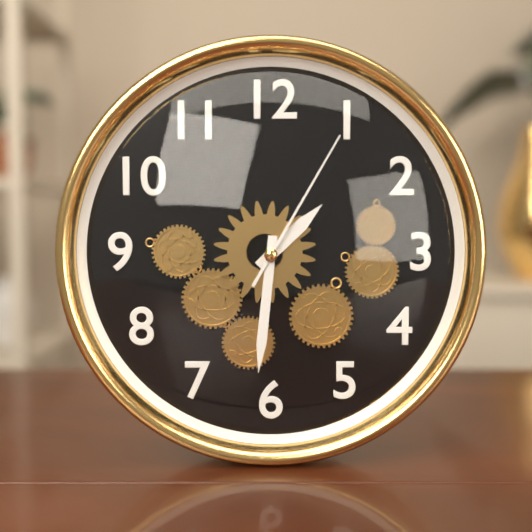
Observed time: 1:31:05
